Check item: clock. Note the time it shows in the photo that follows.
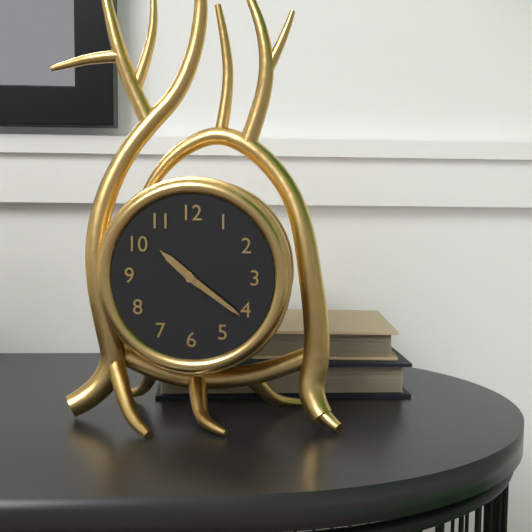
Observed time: 10:21
